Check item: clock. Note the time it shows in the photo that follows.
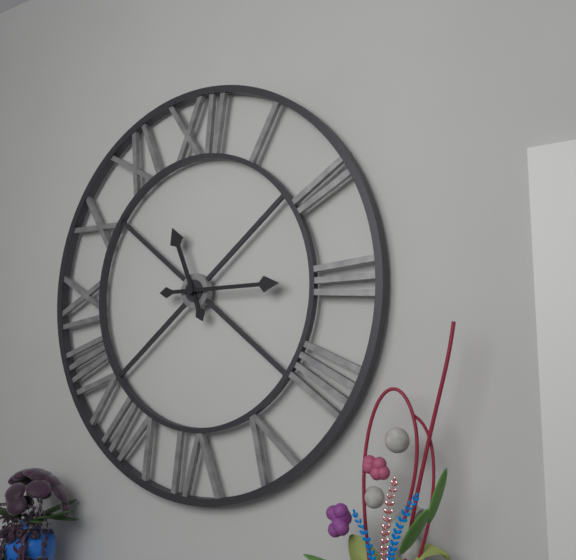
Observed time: 11:15
